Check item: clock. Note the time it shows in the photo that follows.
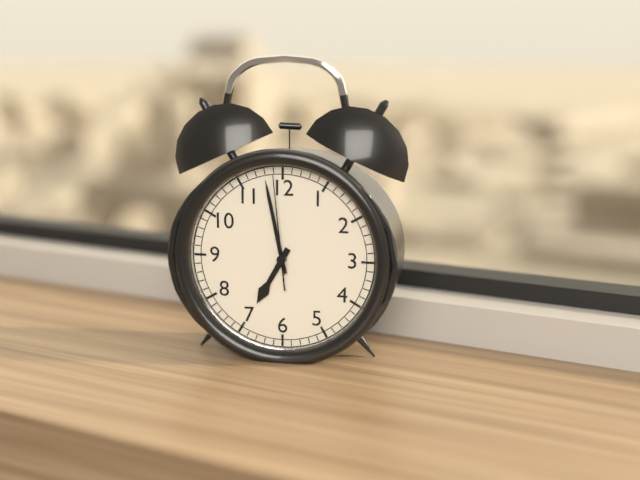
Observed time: 6:58:59
